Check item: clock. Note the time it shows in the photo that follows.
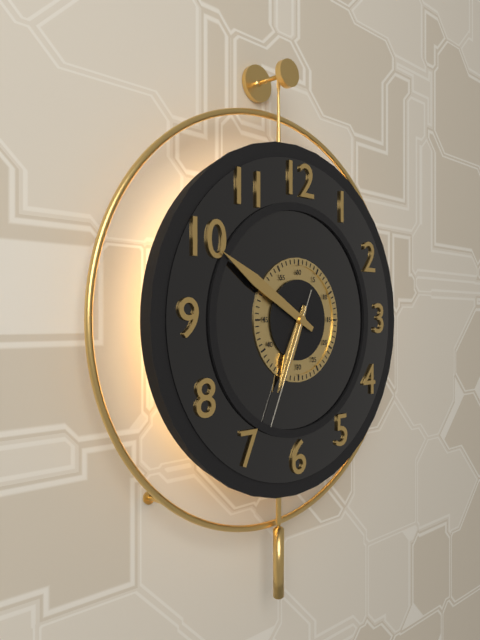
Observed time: 6:50:34
